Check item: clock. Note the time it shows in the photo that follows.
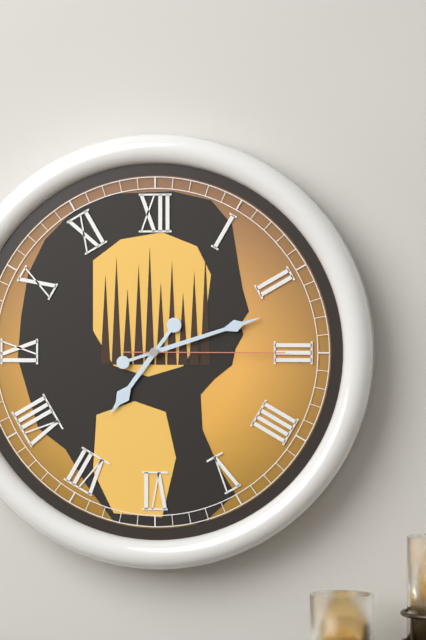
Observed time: 7:12:15
